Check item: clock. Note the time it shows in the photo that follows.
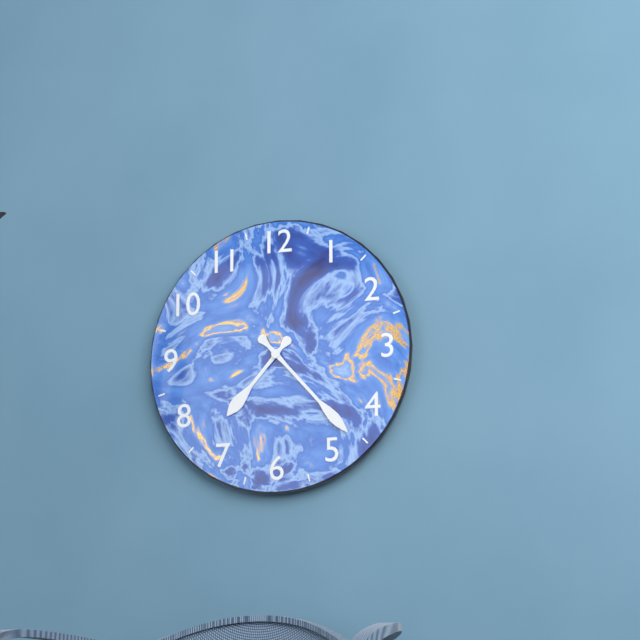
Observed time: 7:23
